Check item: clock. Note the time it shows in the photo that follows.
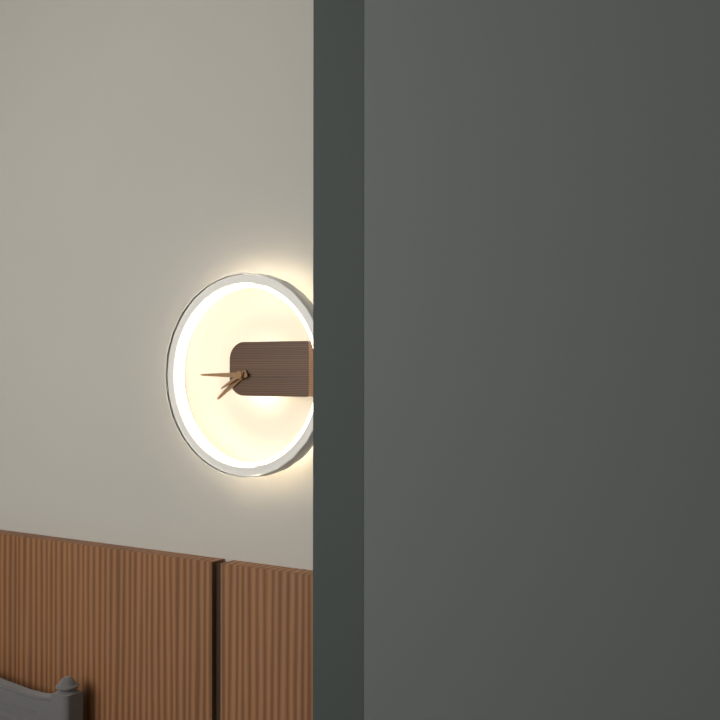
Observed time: 7:45:40
